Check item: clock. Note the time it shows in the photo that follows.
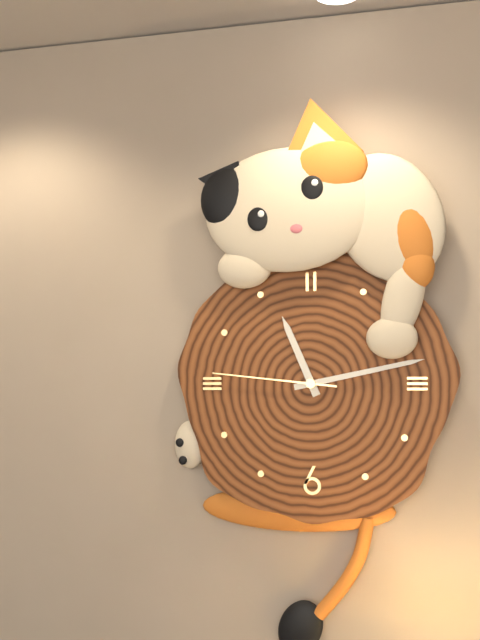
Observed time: 11:13:46
